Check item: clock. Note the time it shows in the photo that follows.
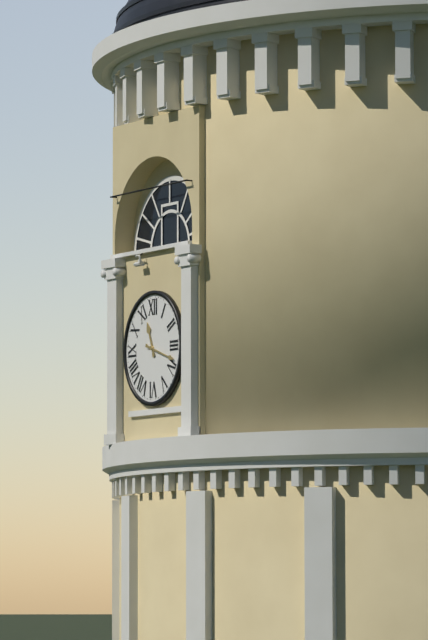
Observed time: 11:18
